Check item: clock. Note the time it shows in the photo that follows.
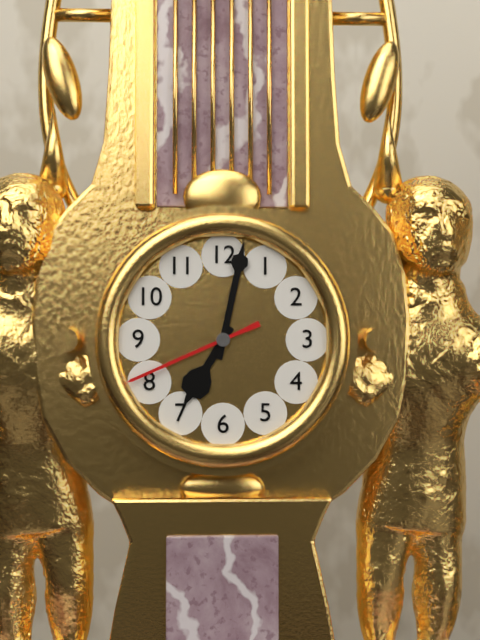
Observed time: 7:02:41
